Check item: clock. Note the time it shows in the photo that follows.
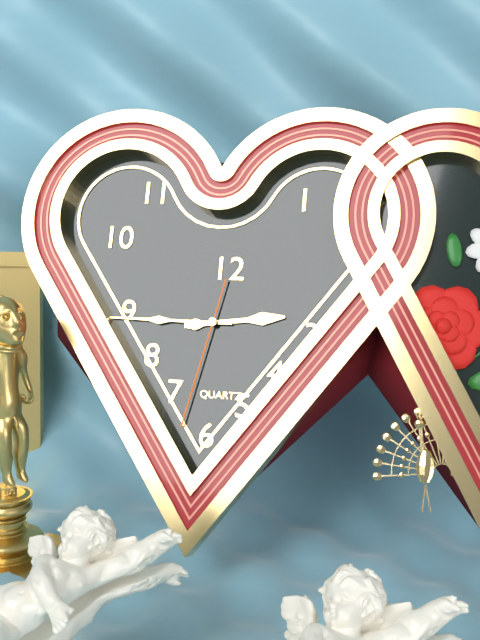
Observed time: 2:45:32
